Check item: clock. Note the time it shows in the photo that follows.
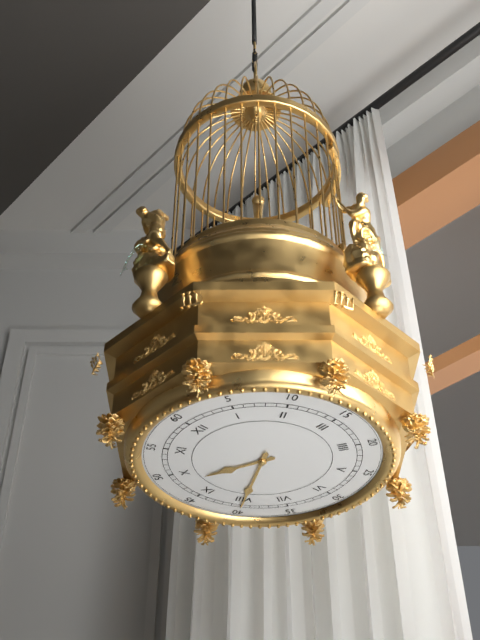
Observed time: 9:40
